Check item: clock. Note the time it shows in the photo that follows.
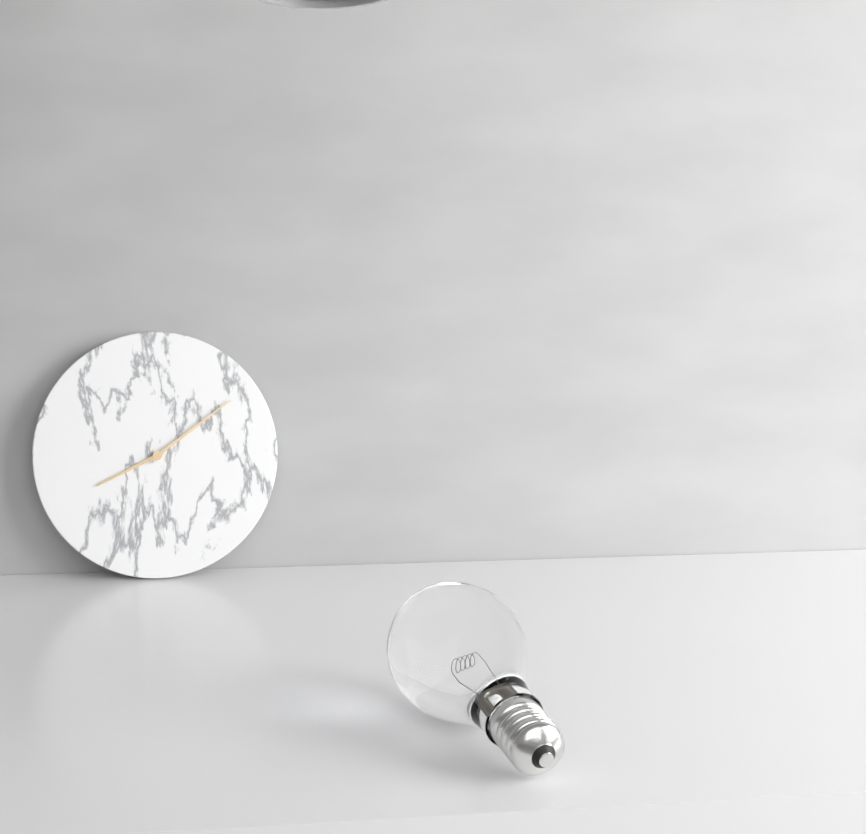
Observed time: 8:09
